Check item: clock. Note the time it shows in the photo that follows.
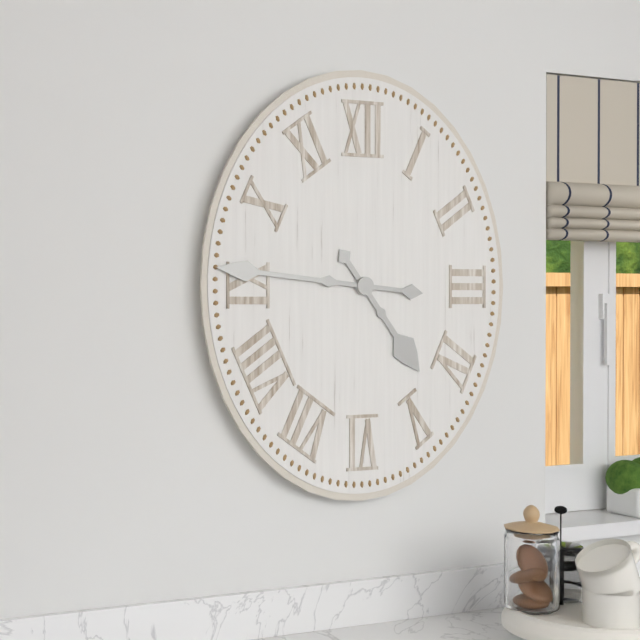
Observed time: 4:46
